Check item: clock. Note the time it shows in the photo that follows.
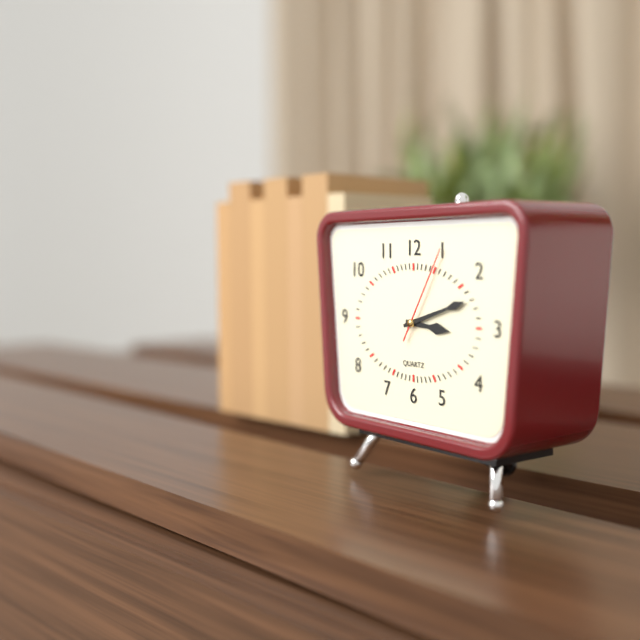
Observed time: 3:12:05
